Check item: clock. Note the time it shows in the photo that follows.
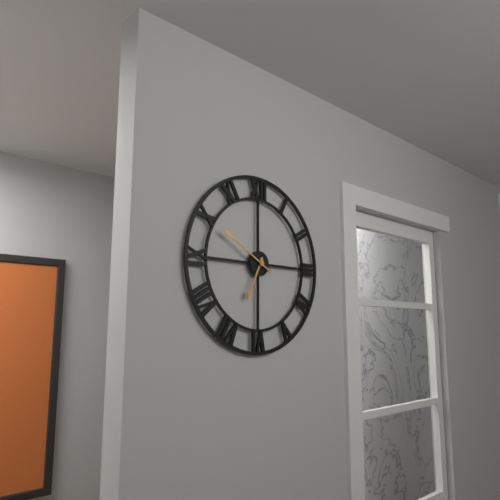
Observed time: 6:50
